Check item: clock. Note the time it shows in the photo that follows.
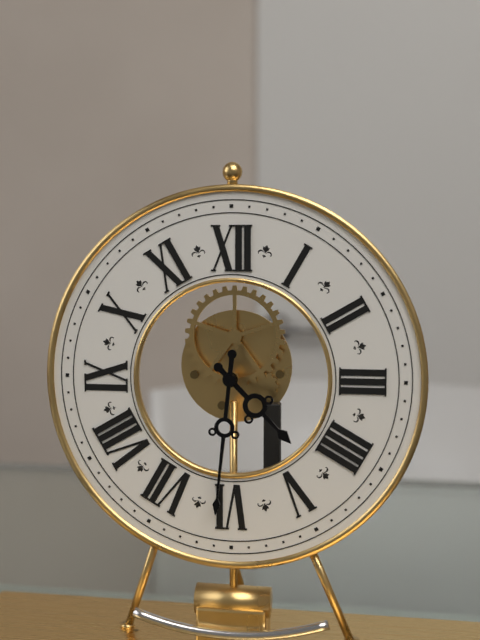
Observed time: 4:31
